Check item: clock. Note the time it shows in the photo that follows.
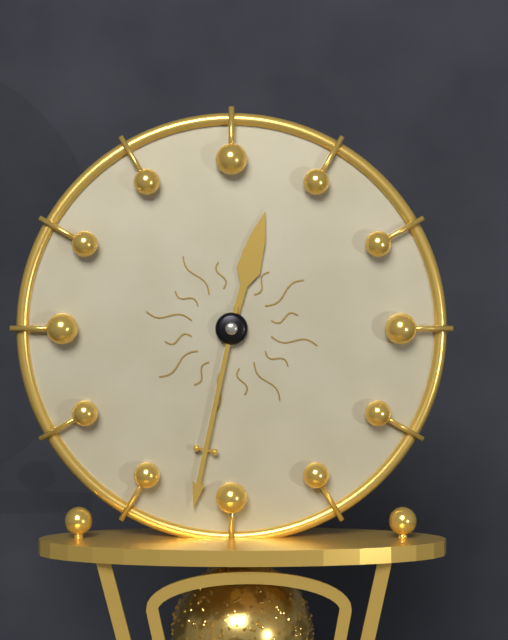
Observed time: 12:32
